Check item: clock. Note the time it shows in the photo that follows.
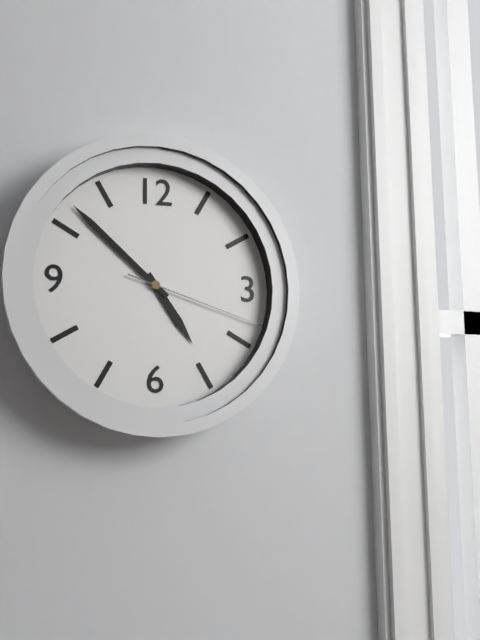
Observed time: 4:52:18
